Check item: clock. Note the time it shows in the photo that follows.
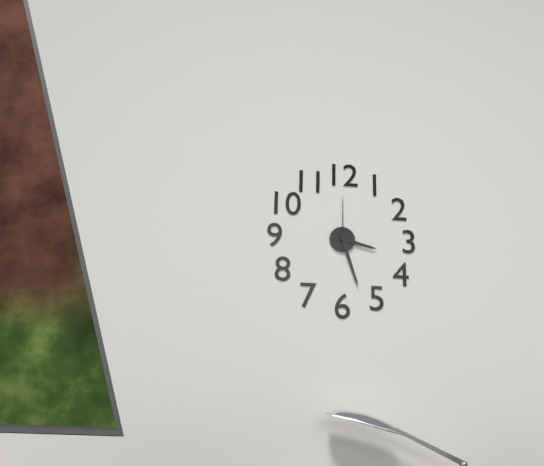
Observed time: 3:27:00
